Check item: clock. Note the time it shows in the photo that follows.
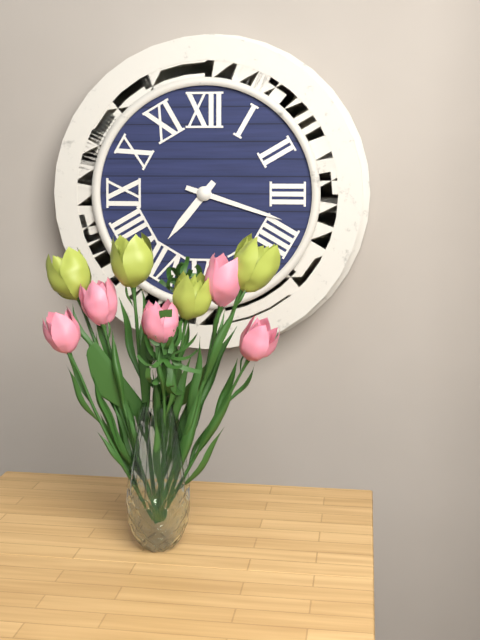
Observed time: 7:18
